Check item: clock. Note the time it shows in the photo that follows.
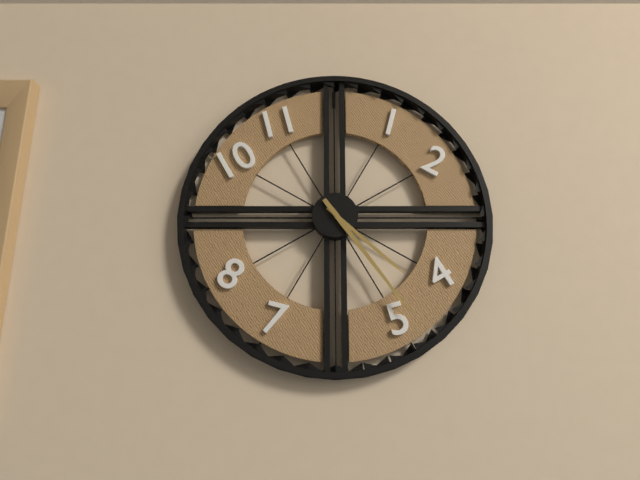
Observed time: 4:24
